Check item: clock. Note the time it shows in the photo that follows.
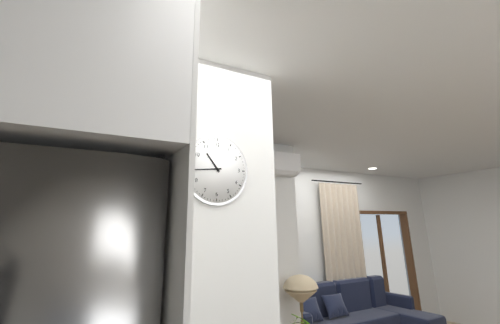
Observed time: 10:44
